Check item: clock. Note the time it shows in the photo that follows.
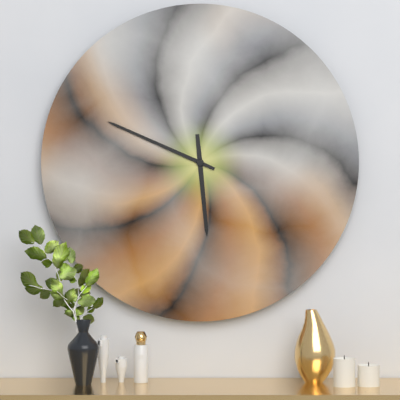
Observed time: 5:49
